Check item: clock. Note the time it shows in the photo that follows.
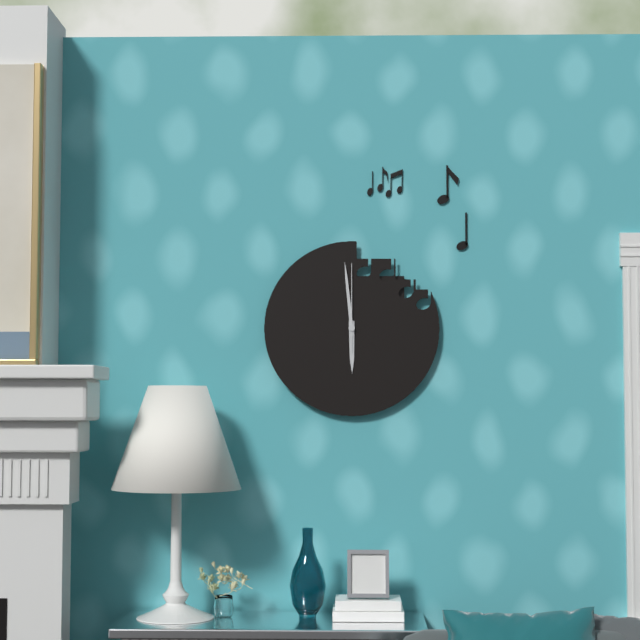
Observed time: 5:59:00
